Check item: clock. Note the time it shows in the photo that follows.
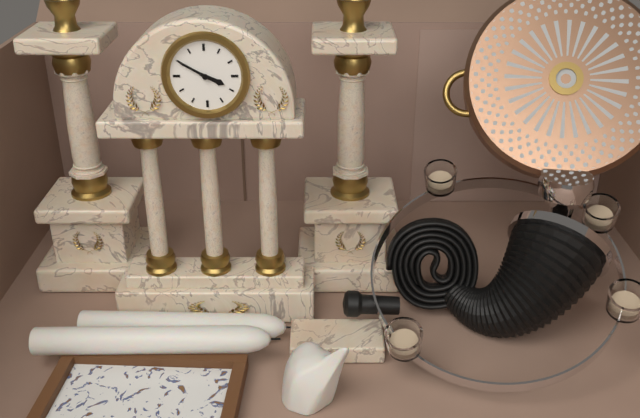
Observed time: 3:50
